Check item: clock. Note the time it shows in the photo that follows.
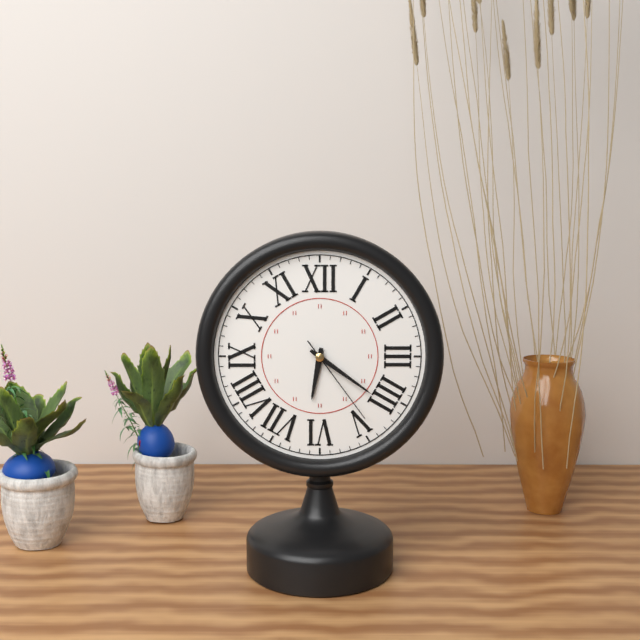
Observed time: 6:21:24
